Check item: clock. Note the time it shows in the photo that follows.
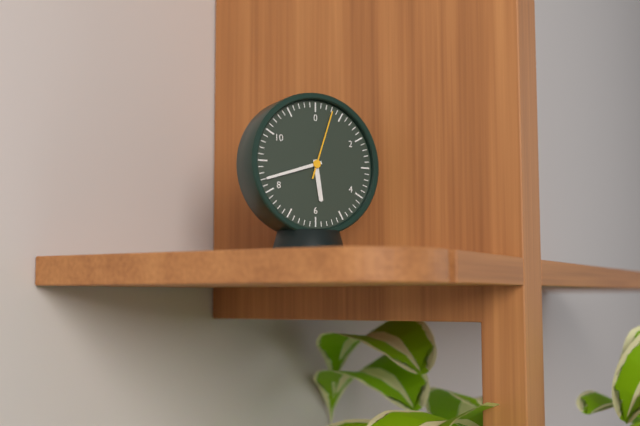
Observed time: 5:42:03
